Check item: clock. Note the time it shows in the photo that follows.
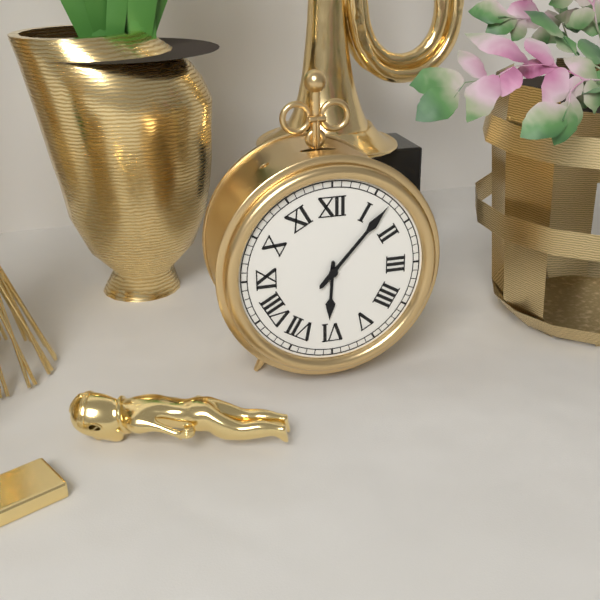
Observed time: 6:07
